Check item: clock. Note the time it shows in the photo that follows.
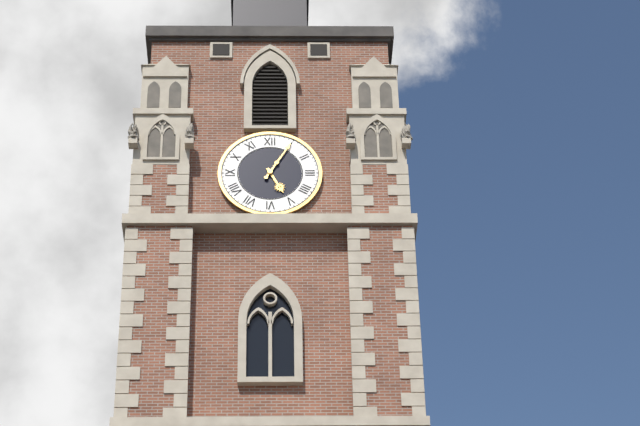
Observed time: 5:05
